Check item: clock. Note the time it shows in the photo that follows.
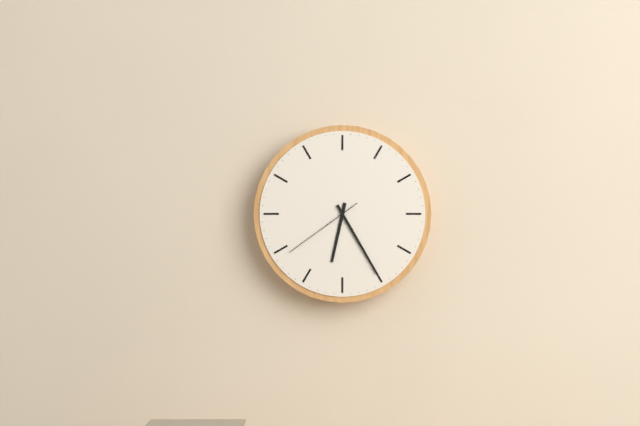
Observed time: 6:25:39
